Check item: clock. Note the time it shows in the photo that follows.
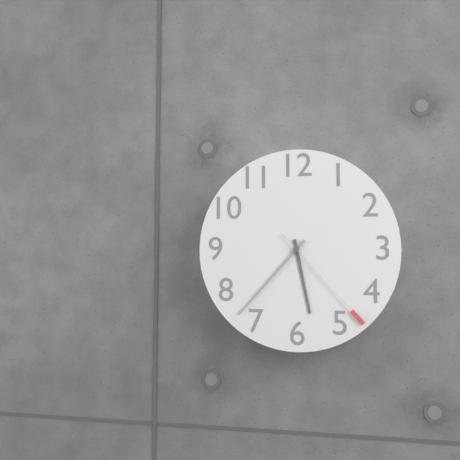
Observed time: 5:37:23
